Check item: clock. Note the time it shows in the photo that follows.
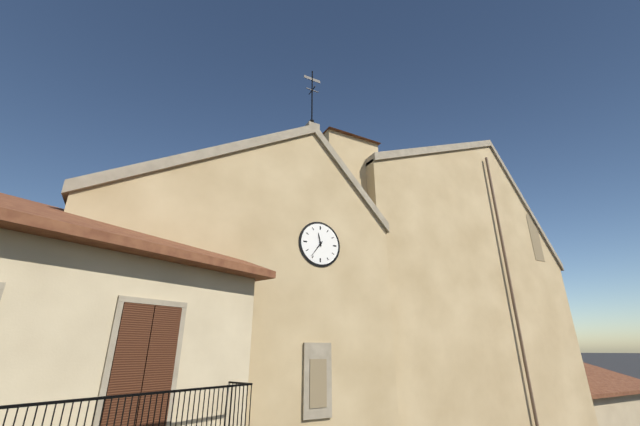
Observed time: 11:36
